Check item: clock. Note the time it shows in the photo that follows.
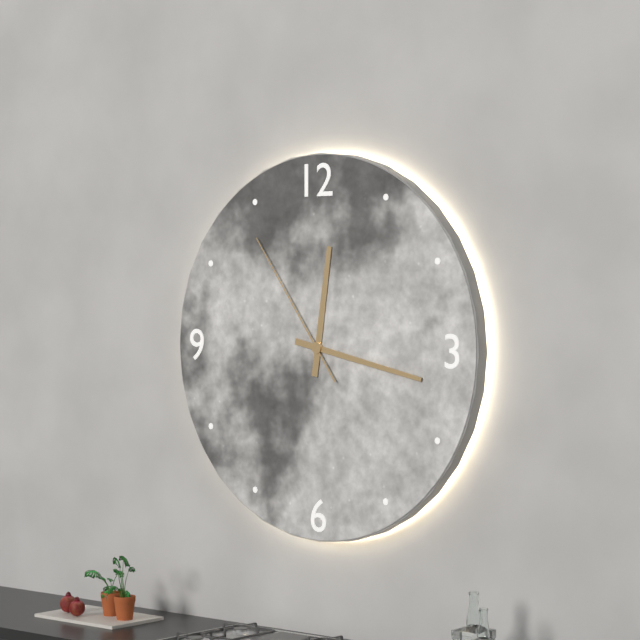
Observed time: 12:17:54
